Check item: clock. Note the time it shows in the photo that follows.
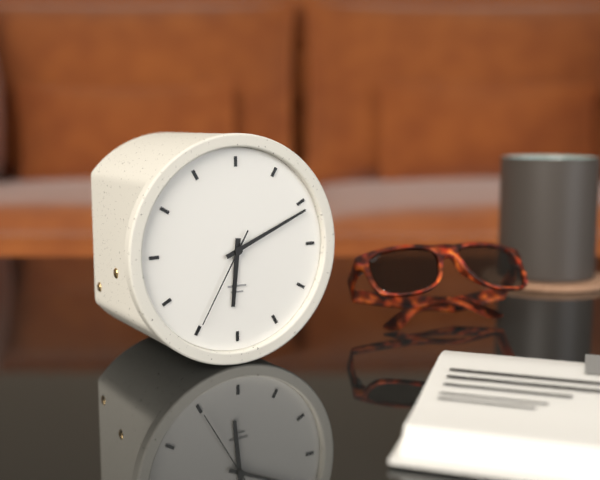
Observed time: 6:11:35
